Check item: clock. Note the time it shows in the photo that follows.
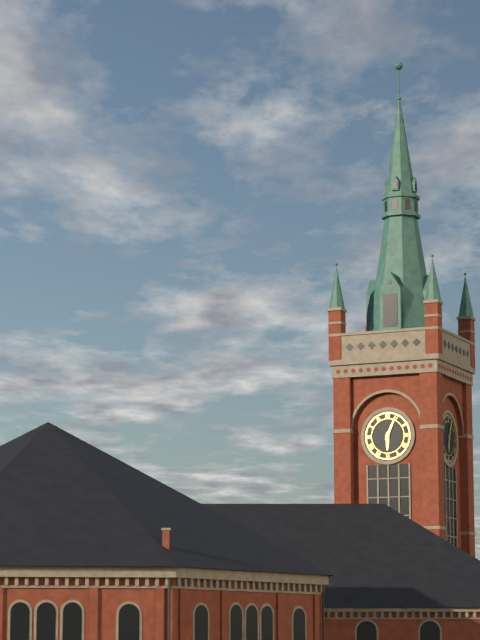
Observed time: 6:04
